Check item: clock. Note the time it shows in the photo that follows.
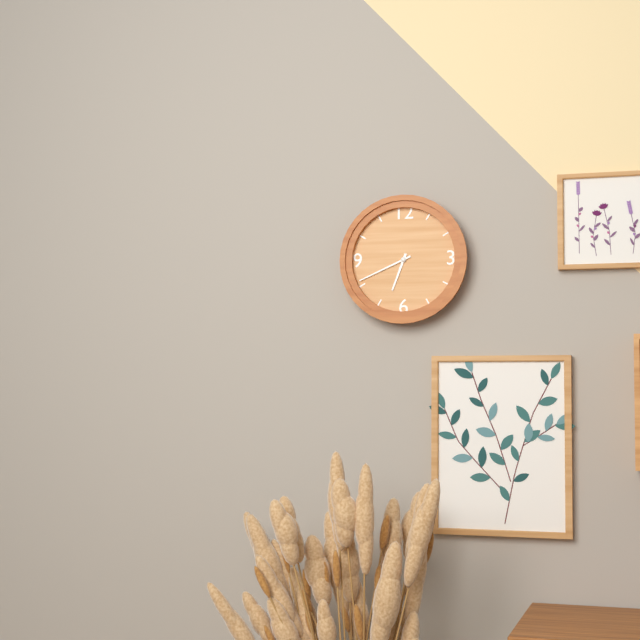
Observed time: 6:41
